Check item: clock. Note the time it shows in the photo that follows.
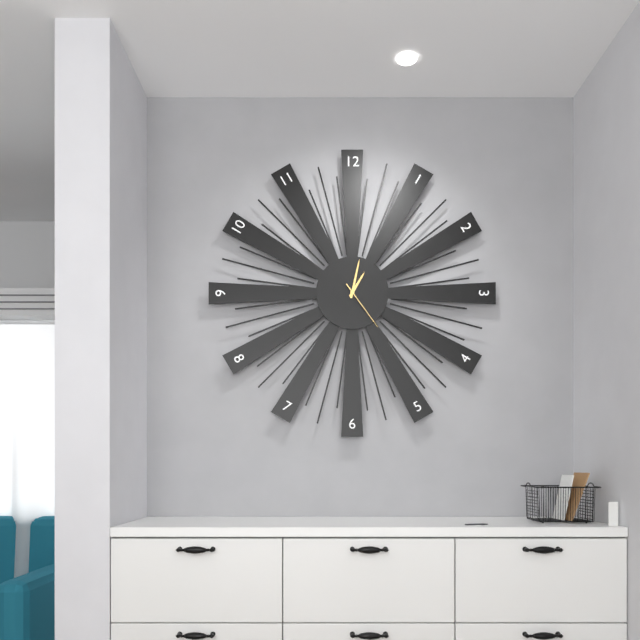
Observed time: 1:02:24
